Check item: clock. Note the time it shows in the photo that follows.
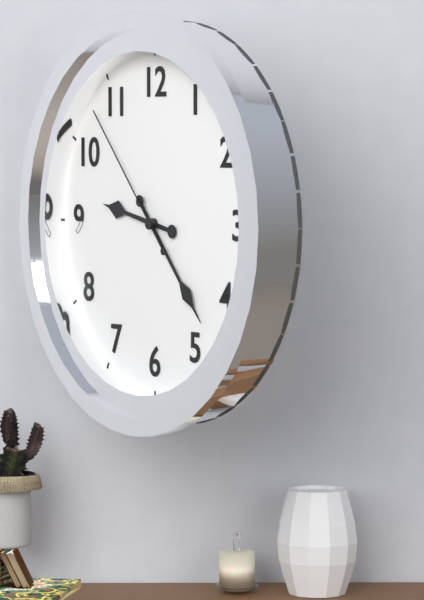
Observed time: 9:23:53
